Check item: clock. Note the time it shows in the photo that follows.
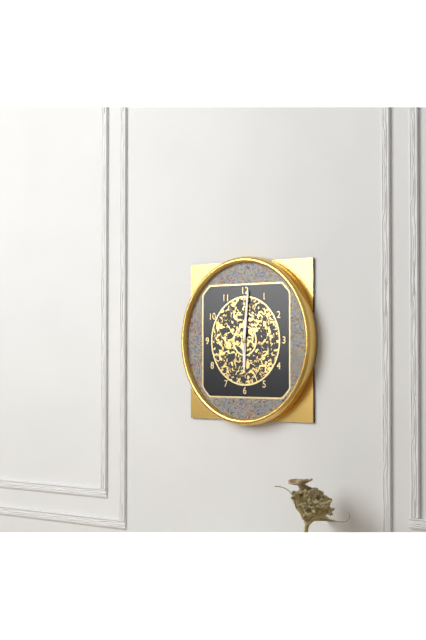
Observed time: 6:01
